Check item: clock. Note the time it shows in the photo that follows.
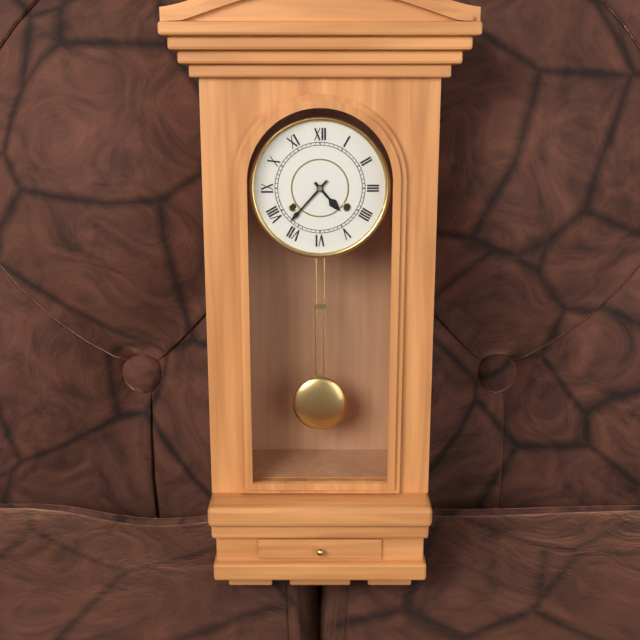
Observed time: 4:37
